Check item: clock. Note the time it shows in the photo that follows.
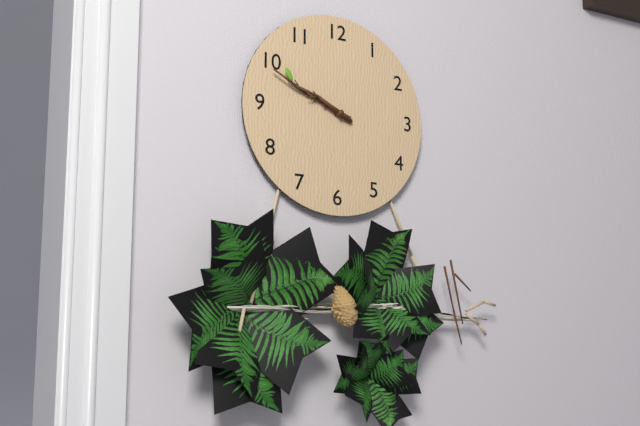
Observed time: 9:49
